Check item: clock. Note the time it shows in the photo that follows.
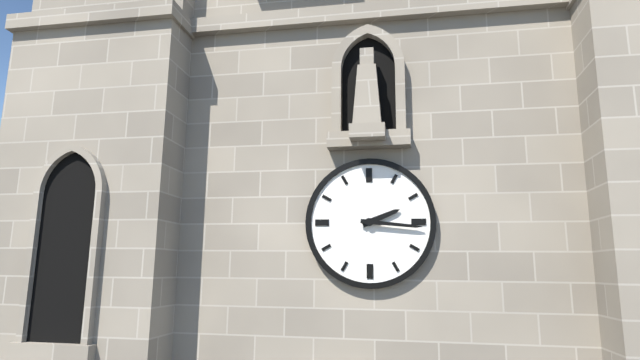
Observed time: 2:16
